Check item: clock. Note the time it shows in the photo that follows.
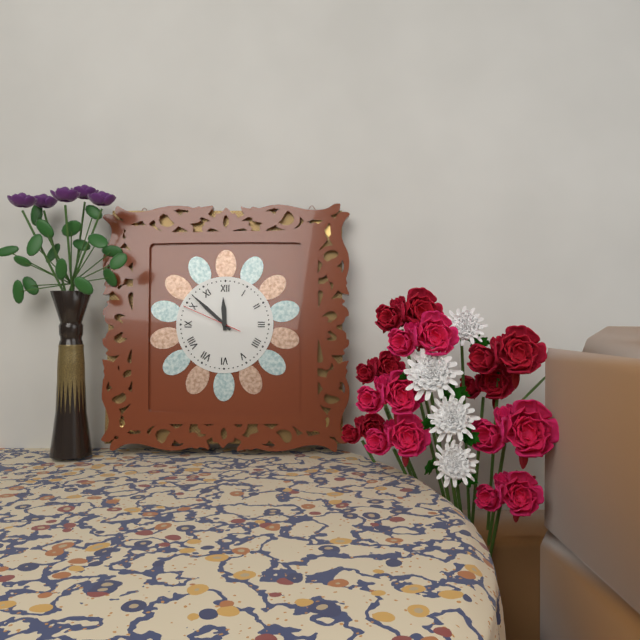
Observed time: 11:52:49
